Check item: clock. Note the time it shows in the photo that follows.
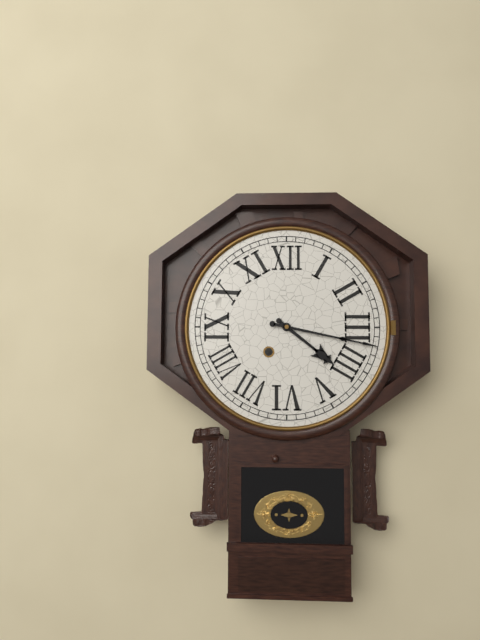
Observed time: 4:17
